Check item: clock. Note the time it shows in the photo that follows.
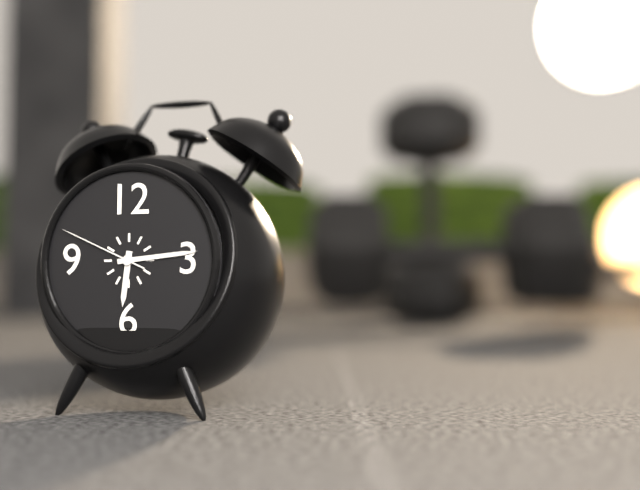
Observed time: 6:14:49
